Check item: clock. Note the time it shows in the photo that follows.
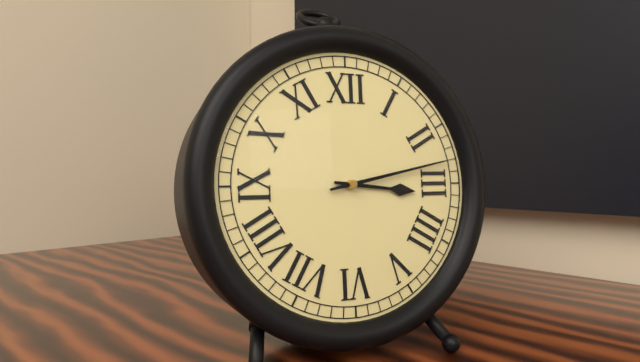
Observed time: 3:13
